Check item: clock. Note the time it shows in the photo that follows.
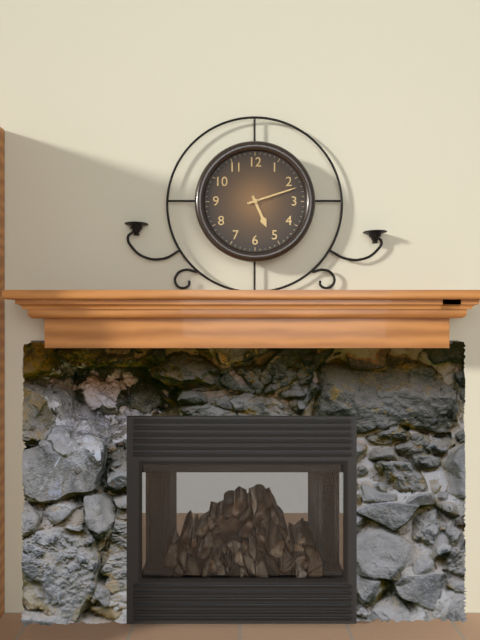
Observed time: 5:12
